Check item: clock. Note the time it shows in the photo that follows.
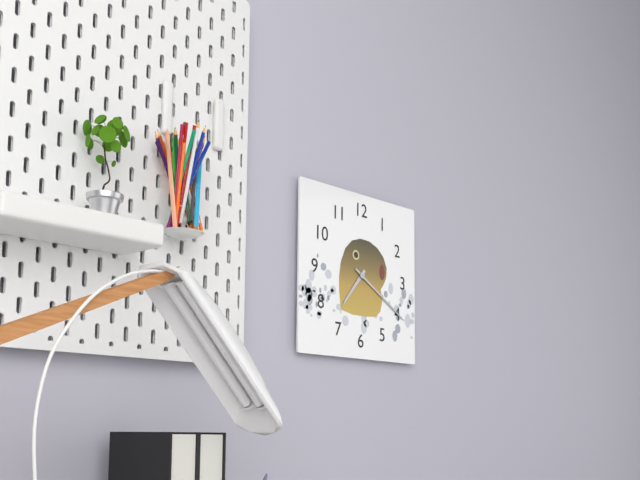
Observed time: 7:20
